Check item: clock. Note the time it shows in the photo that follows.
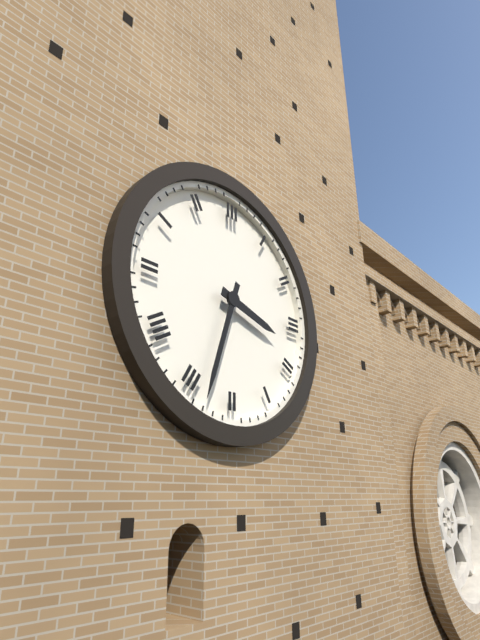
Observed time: 3:33
